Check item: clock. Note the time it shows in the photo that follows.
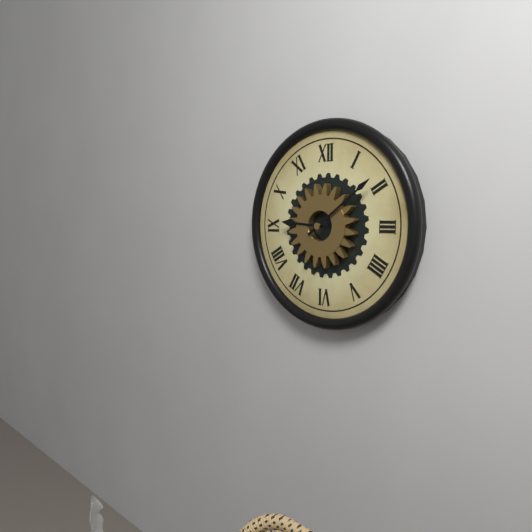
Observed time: 9:09
